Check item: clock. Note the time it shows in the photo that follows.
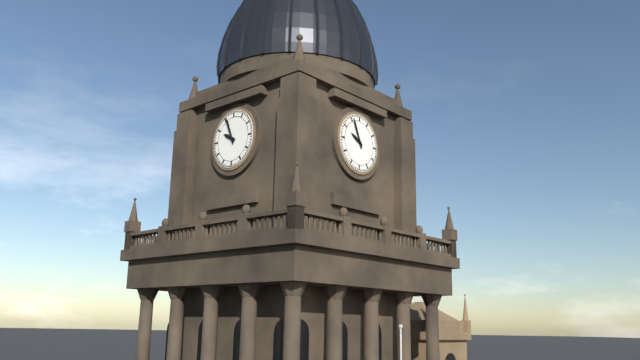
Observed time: 9:56
